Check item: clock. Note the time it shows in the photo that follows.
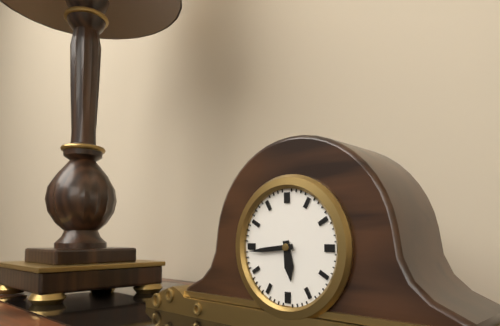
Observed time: 5:44
